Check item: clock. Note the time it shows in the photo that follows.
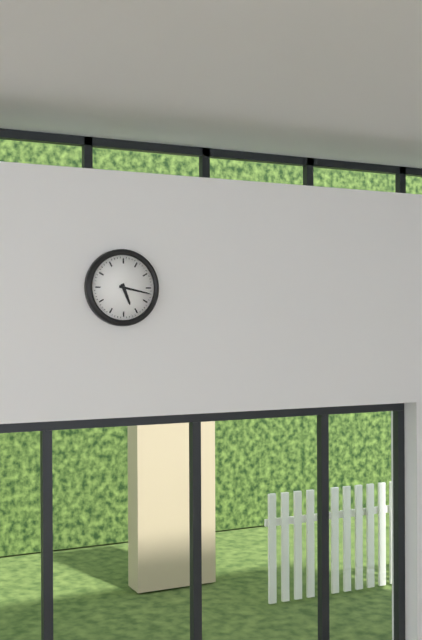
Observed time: 5:17
